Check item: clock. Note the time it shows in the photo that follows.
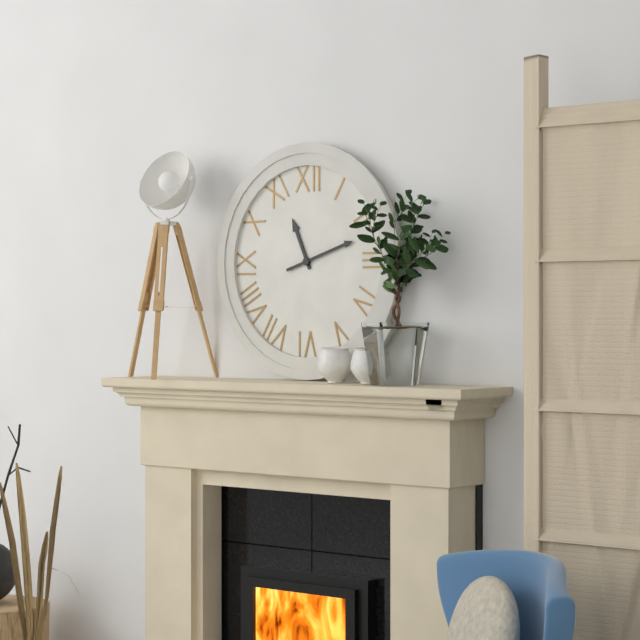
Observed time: 11:12
